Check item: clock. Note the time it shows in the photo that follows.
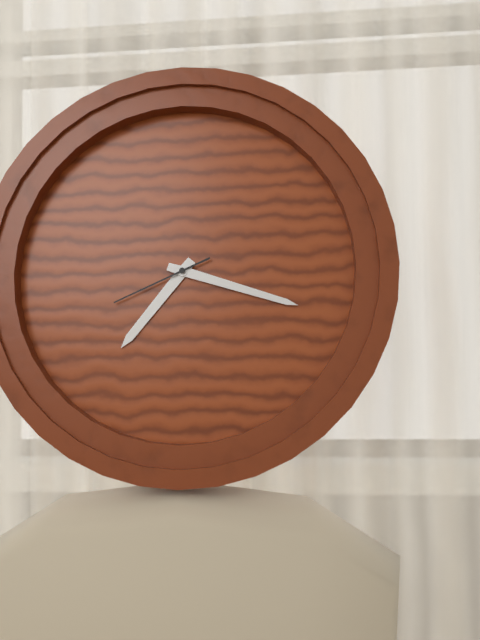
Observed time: 7:18:41
